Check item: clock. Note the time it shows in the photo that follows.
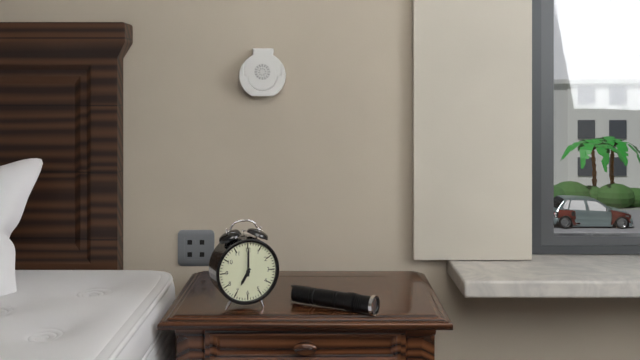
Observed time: 7:00
